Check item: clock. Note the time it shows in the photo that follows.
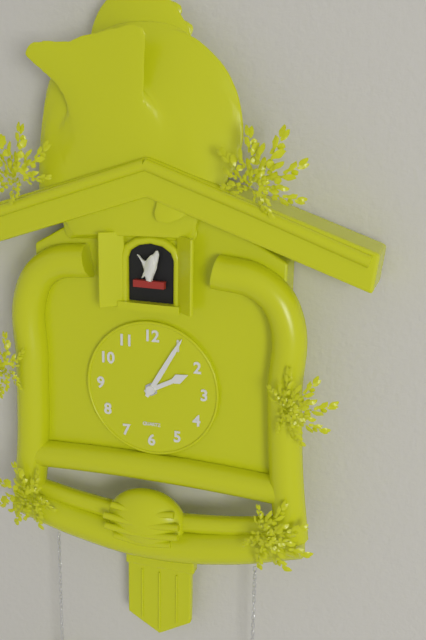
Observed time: 2:05
